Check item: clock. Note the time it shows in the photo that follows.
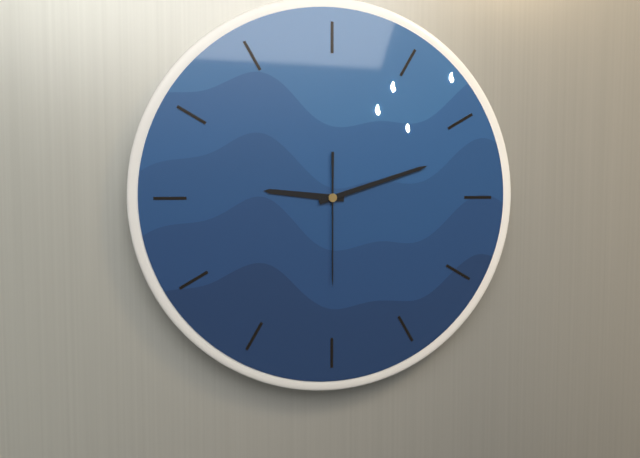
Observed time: 9:12:30
